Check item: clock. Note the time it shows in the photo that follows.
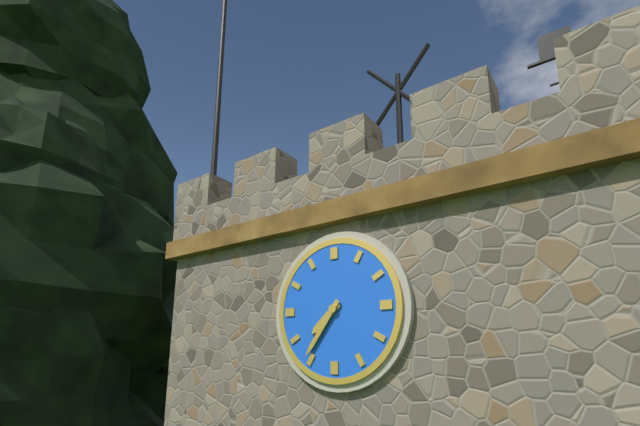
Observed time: 7:36
